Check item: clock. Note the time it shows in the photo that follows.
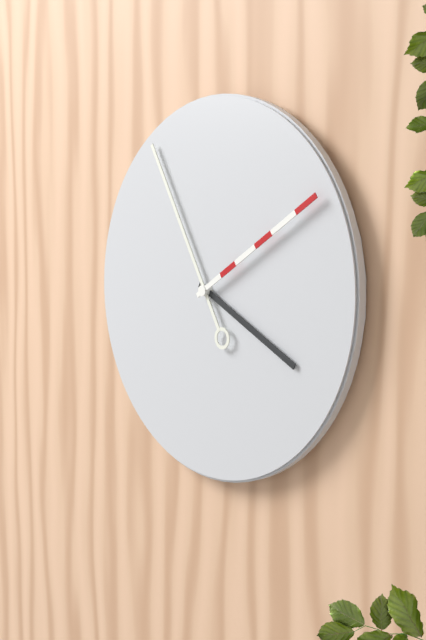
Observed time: 3:55:10
